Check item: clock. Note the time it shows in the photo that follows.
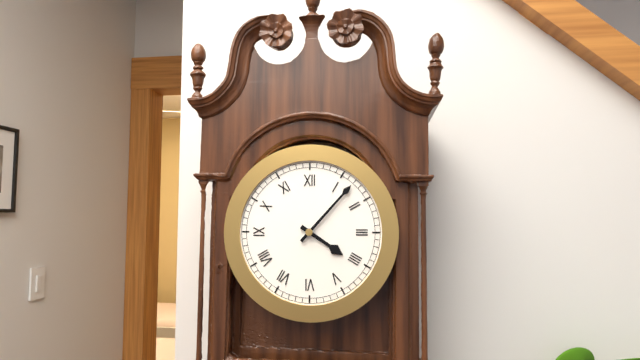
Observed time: 4:07
